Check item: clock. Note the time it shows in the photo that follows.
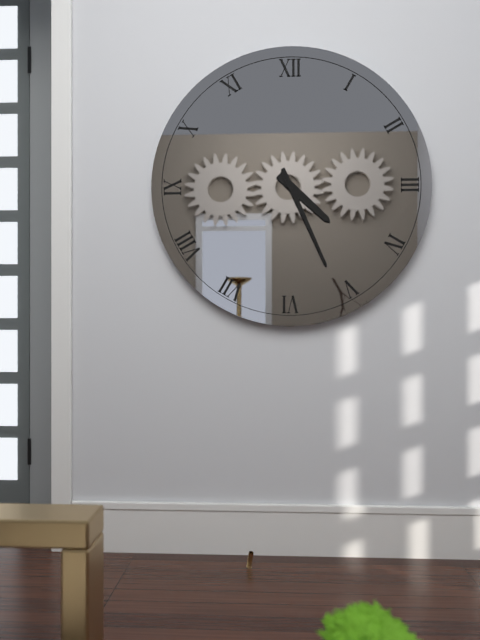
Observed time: 4:26
